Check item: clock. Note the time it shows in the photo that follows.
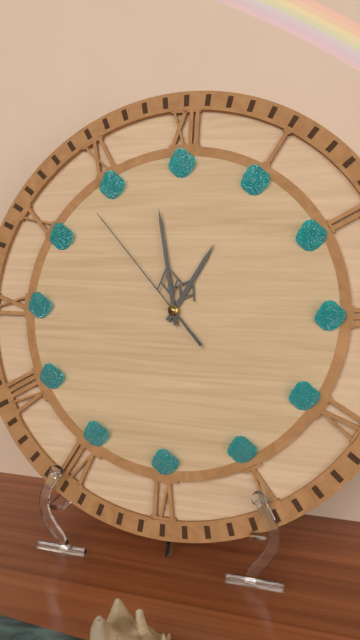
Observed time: 12:58:53
